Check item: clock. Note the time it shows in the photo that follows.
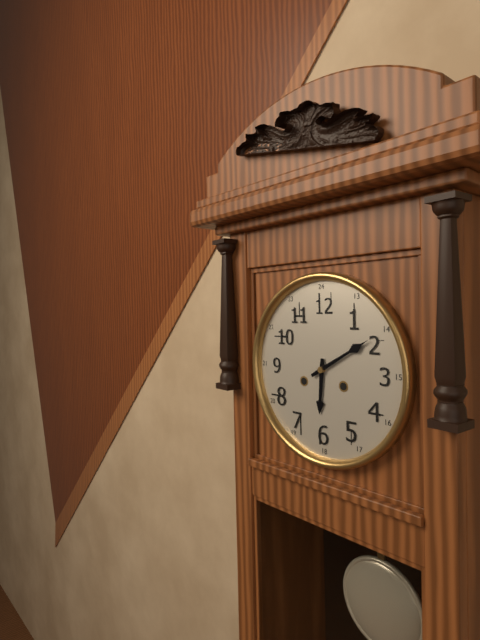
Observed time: 6:10
